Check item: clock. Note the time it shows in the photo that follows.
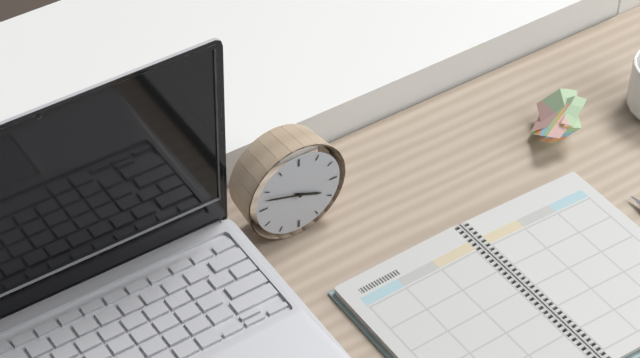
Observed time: 3:48
